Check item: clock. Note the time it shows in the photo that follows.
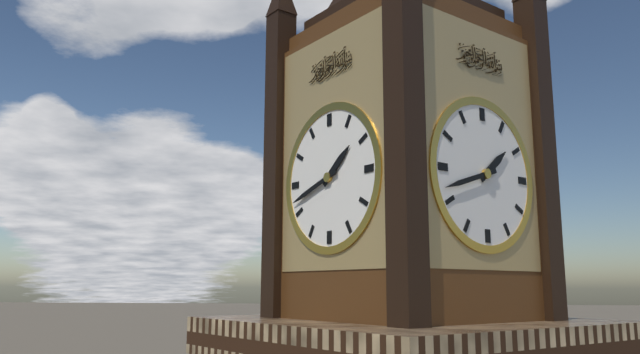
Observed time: 1:42
